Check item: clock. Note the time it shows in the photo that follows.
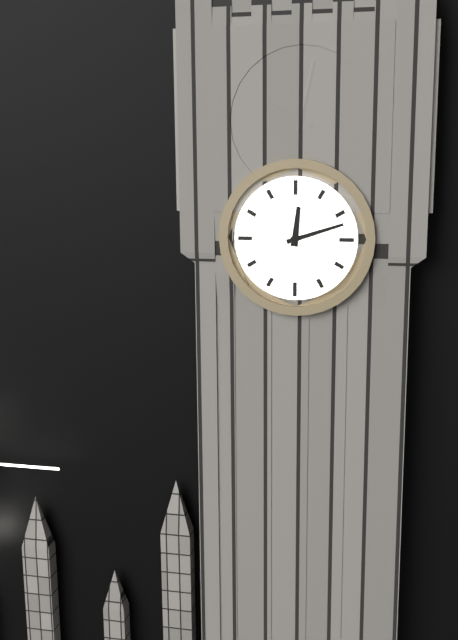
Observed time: 12:12
